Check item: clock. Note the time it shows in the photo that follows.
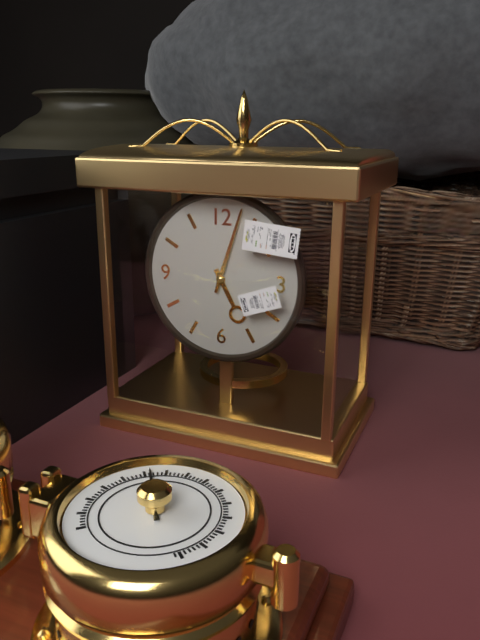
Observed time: 5:03
